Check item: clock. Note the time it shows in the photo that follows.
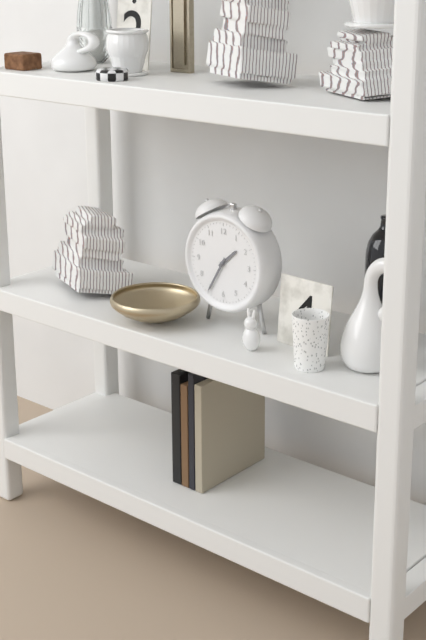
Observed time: 1:35
